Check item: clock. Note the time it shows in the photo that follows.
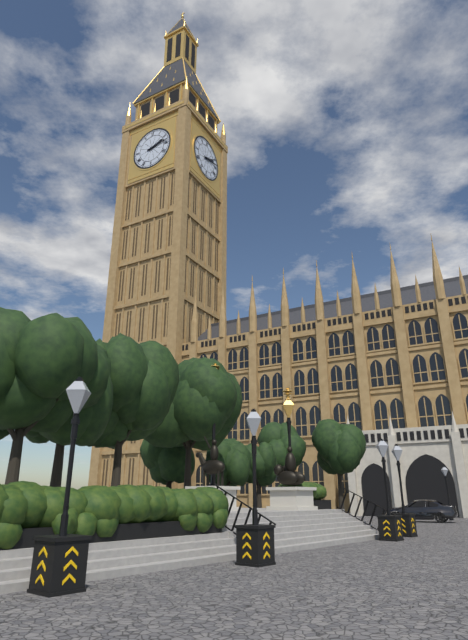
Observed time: 2:13
